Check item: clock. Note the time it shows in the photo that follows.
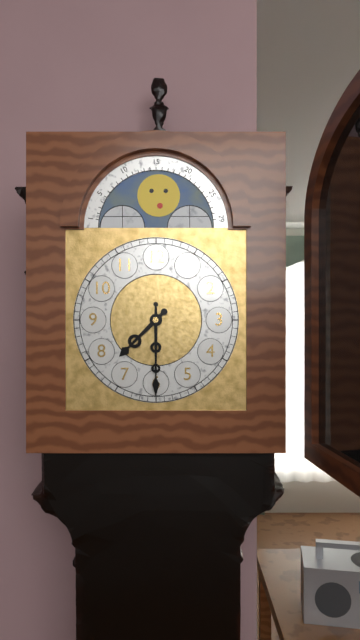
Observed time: 7:30
